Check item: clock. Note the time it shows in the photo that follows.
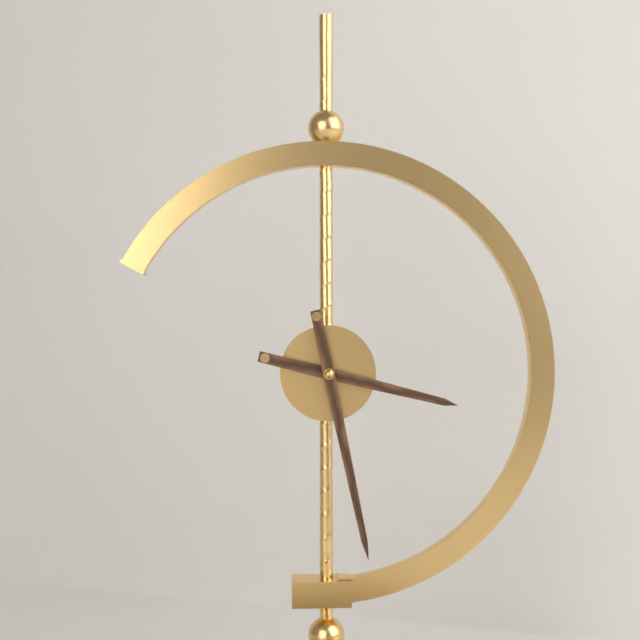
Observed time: 3:28
